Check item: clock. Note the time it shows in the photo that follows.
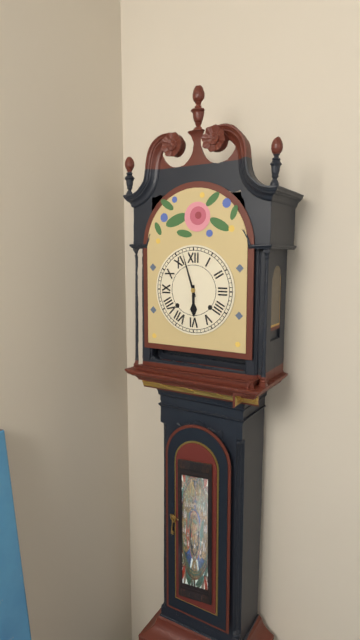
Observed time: 5:57
